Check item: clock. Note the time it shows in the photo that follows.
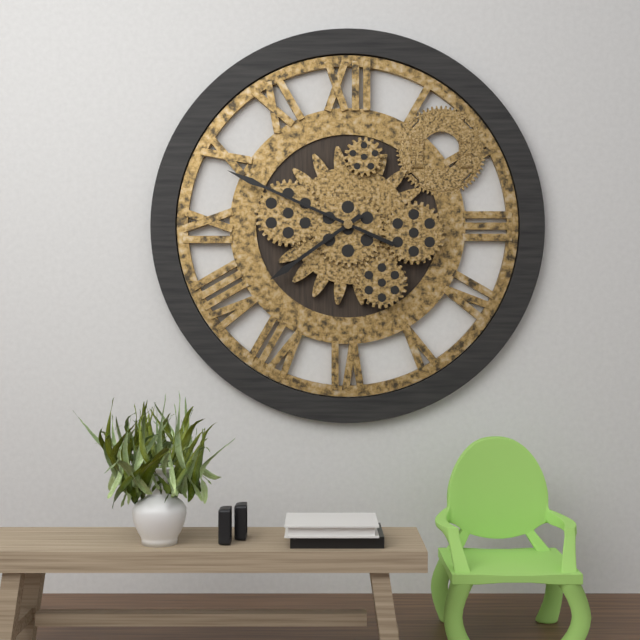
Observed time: 7:49
